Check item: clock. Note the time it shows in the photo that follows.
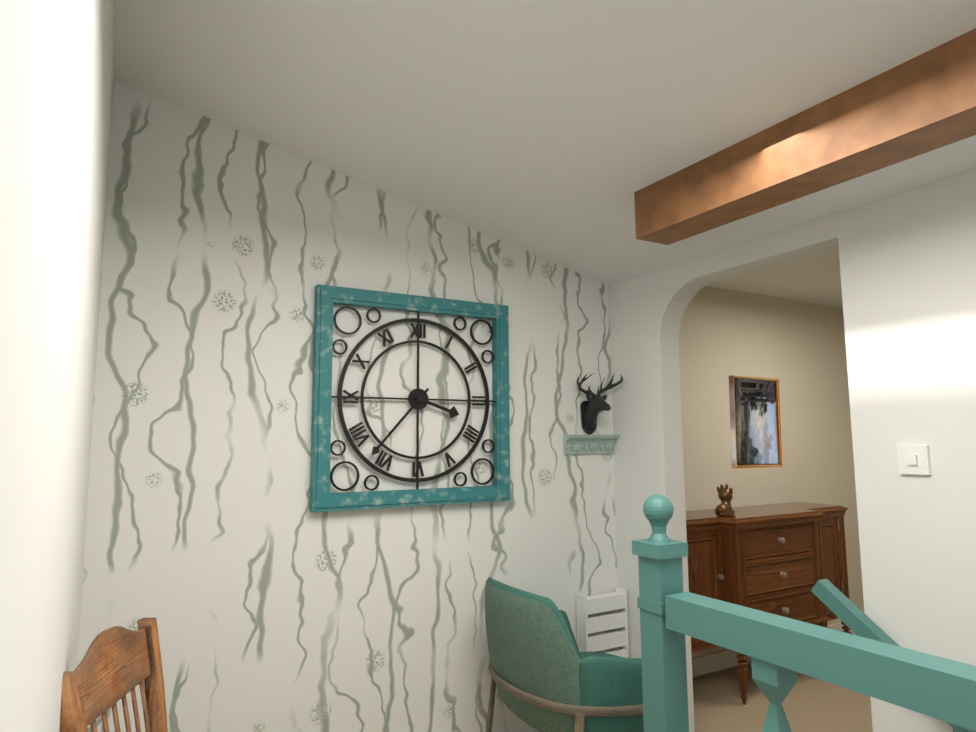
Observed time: 3:37
